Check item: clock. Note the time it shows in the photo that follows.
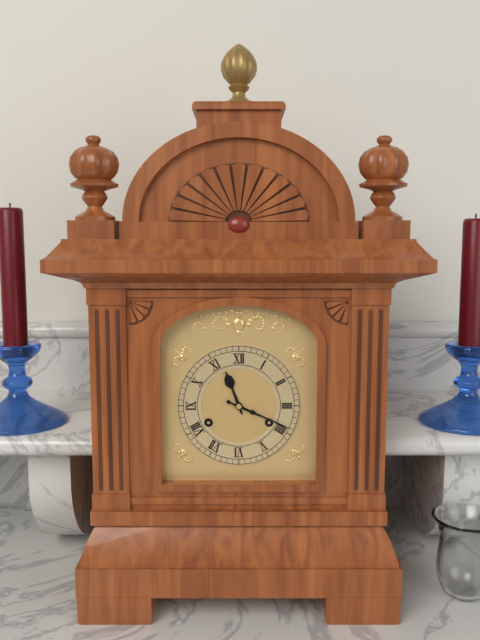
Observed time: 11:19
